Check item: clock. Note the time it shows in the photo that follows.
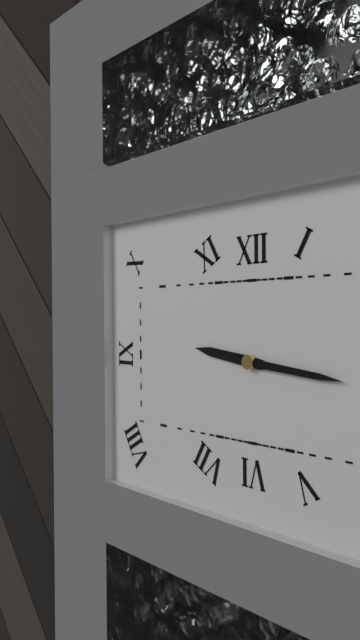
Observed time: 9:16
